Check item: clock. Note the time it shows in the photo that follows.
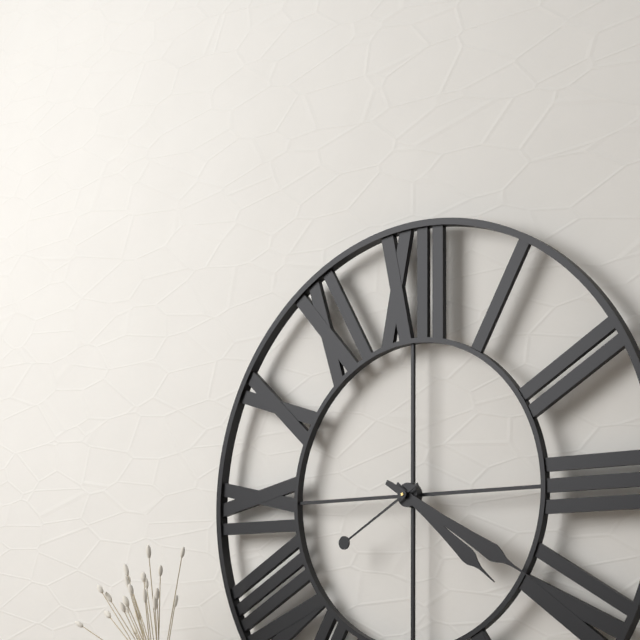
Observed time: 4:20:40
